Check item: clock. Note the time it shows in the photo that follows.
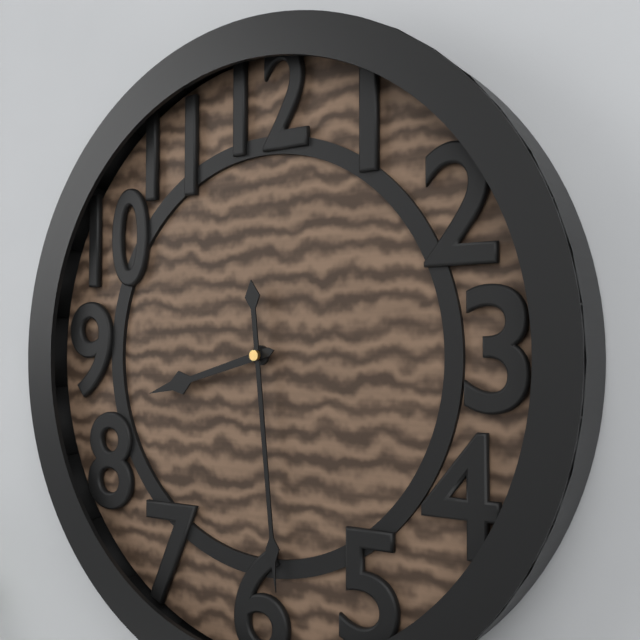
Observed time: 8:29
